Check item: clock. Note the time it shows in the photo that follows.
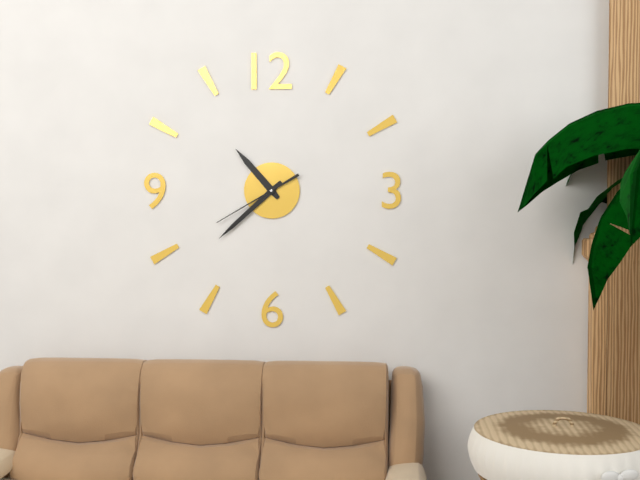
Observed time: 10:38:40
